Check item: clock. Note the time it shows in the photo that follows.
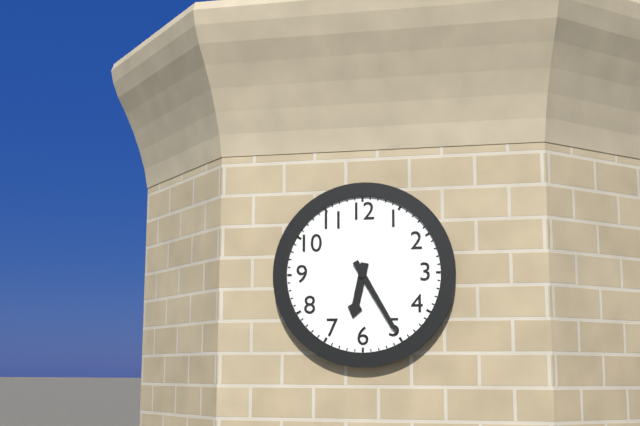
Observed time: 6:25
